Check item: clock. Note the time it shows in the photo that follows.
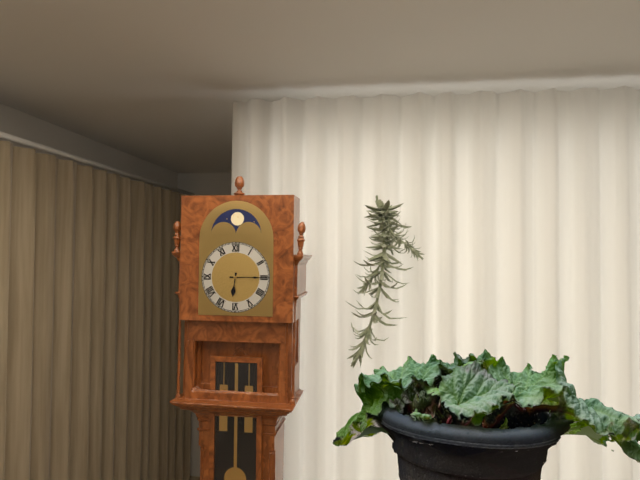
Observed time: 6:15
